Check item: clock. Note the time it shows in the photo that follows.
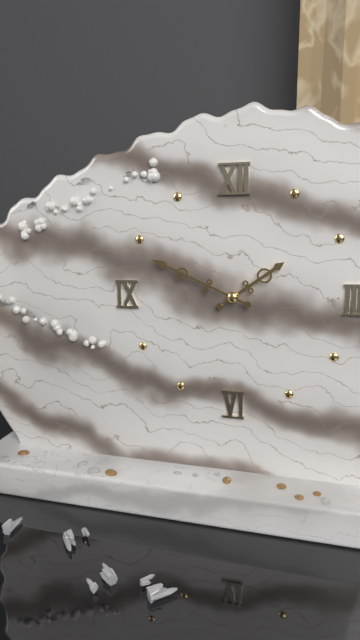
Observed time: 1:49
